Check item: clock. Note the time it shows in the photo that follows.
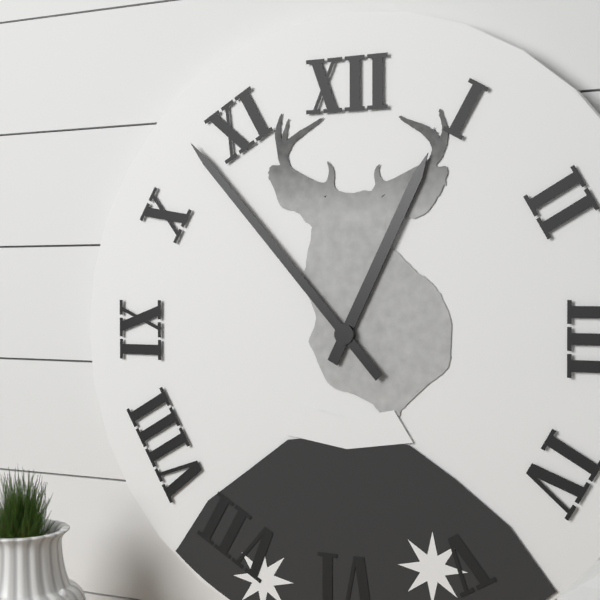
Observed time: 12:53
